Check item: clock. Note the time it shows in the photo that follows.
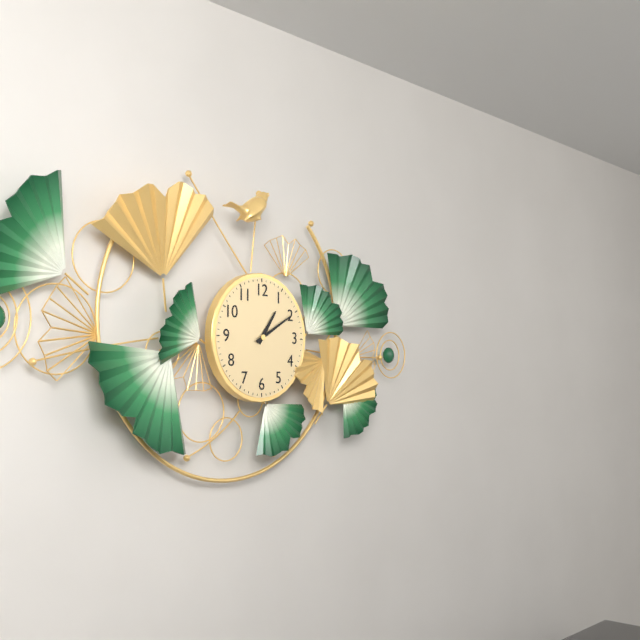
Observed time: 1:10
